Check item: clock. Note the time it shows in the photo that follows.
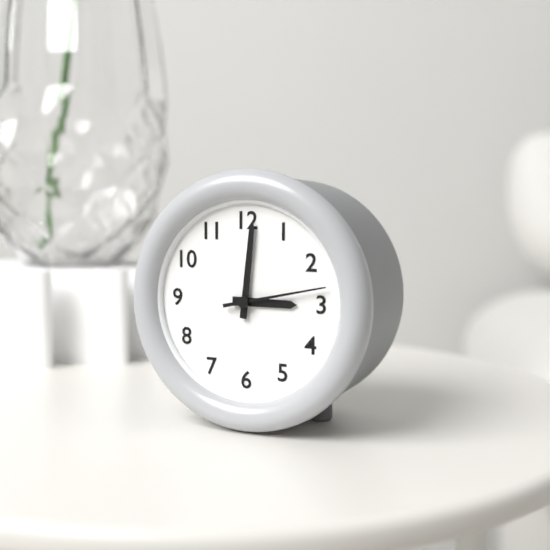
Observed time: 3:01:13
